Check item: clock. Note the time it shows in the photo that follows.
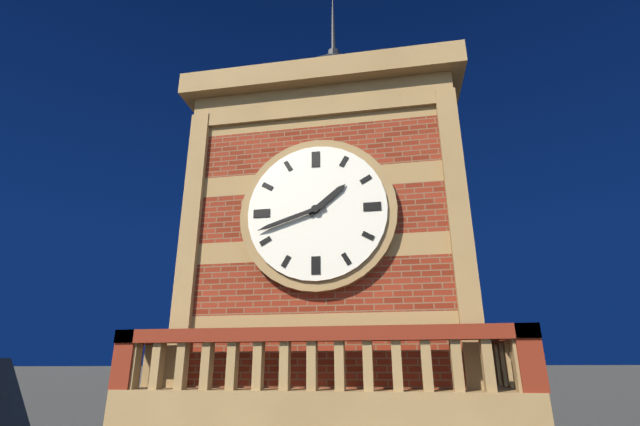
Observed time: 1:42
